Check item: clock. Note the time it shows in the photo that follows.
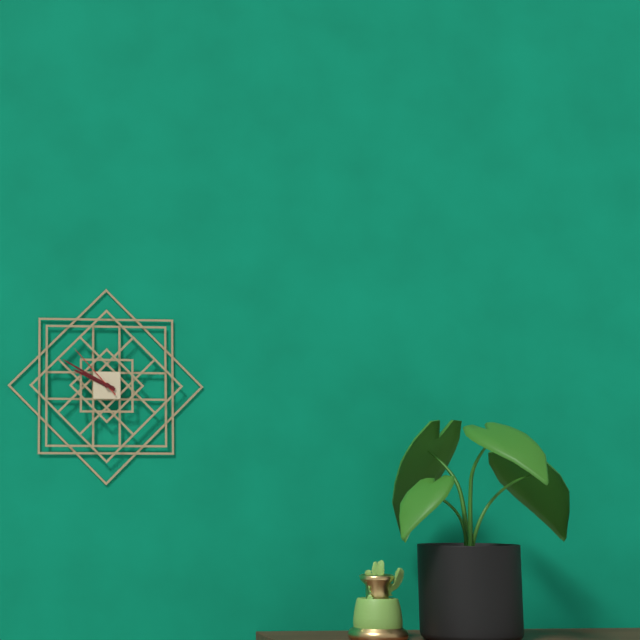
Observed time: 9:50:53
